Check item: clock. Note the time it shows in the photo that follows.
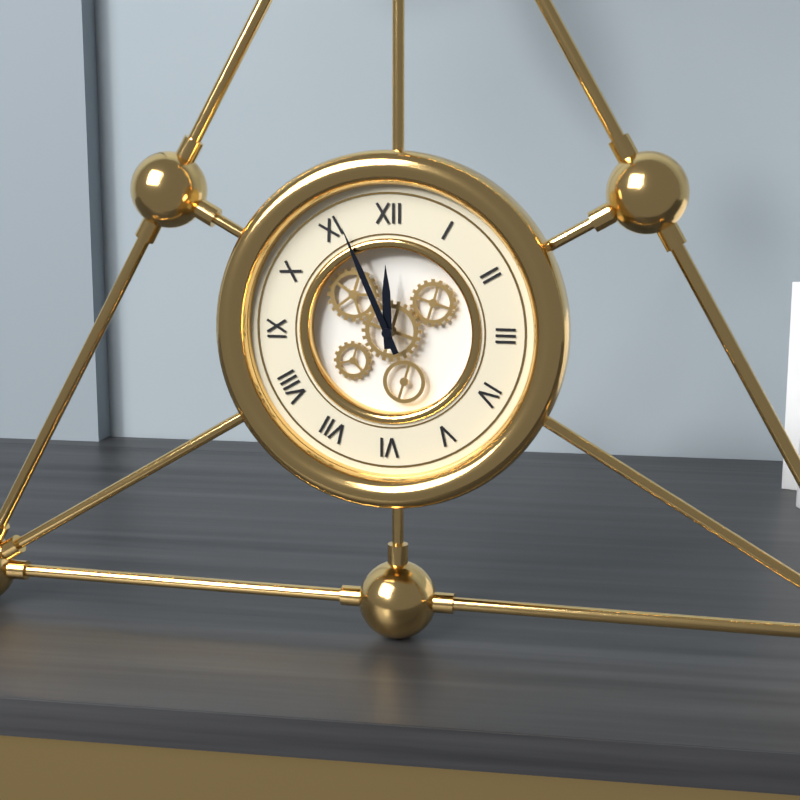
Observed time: 11:56
